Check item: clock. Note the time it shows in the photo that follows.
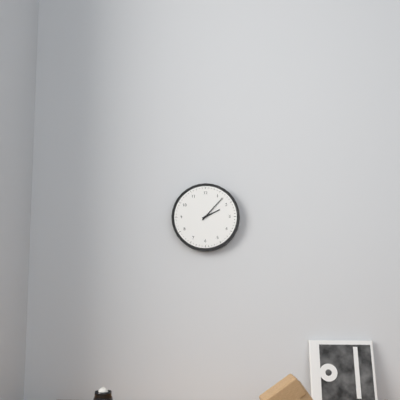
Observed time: 2:07
